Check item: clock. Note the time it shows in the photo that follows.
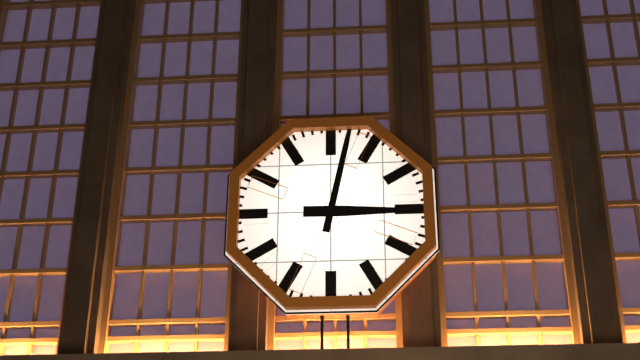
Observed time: 3:02
